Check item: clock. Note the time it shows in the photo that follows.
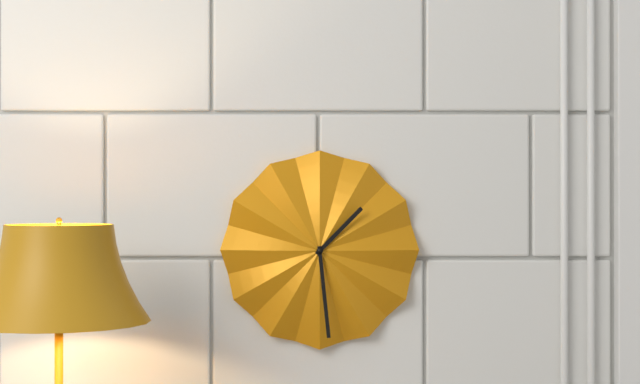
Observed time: 1:29
